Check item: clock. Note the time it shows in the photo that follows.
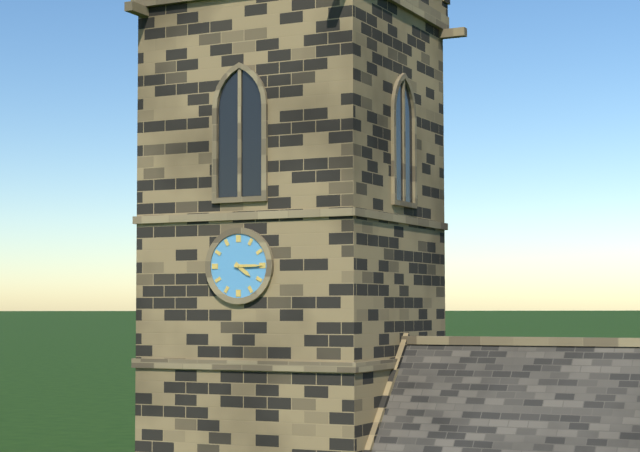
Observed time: 4:15
